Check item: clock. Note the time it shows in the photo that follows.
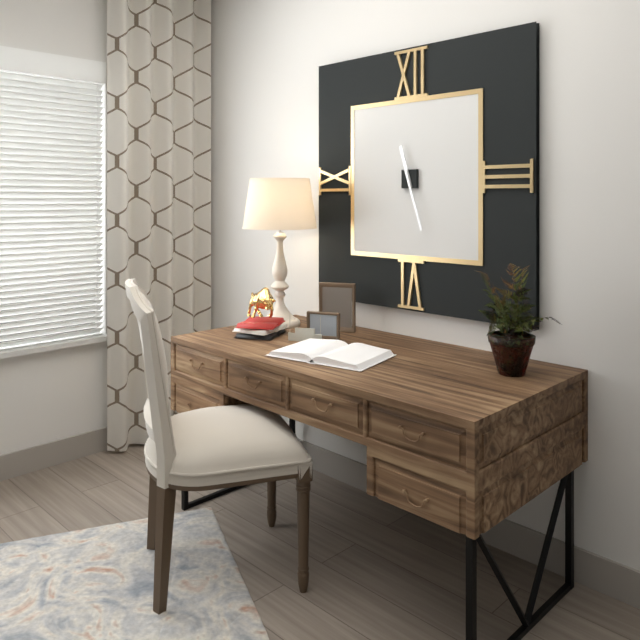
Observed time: 11:27
